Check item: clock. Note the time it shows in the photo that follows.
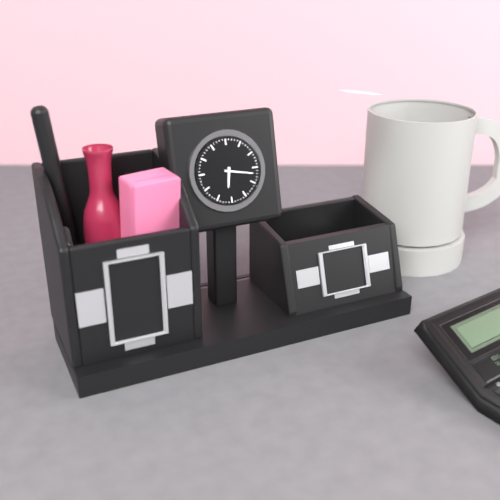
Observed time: 6:17
